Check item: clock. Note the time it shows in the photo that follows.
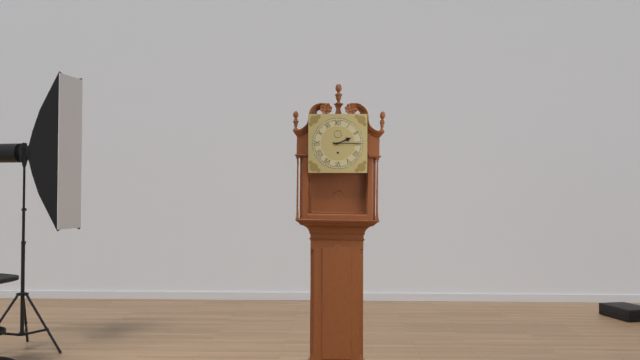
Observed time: 2:15
